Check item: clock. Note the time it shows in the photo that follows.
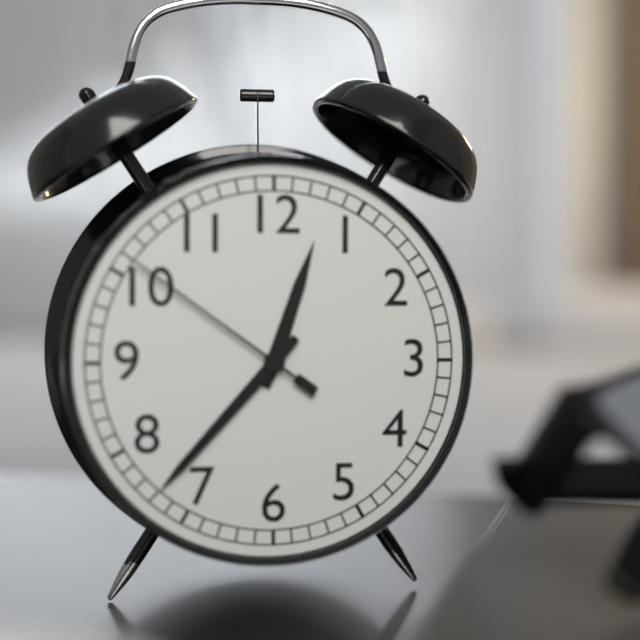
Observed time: 12:37:51
